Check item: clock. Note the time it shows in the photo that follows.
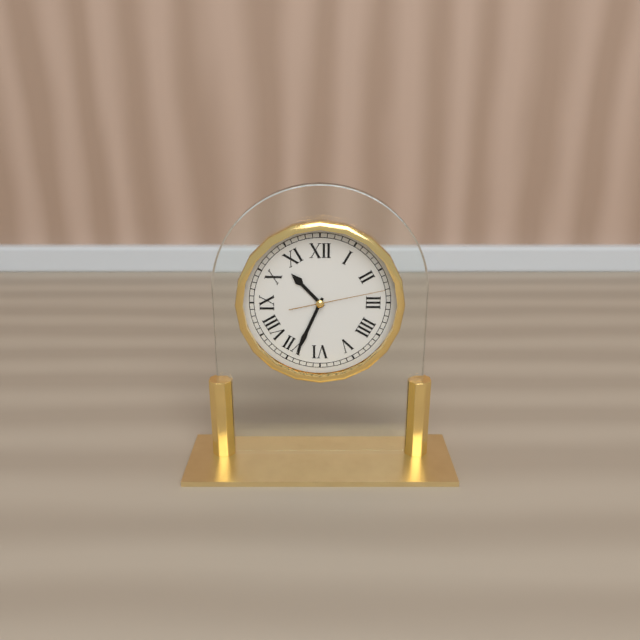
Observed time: 10:34:13
